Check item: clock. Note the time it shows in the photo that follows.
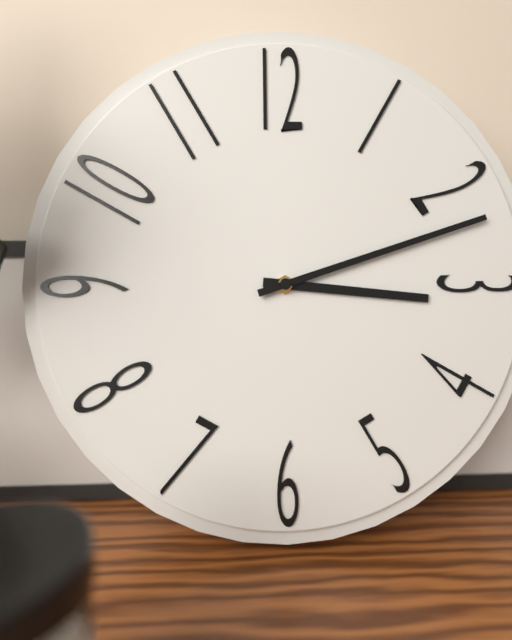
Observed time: 3:12
